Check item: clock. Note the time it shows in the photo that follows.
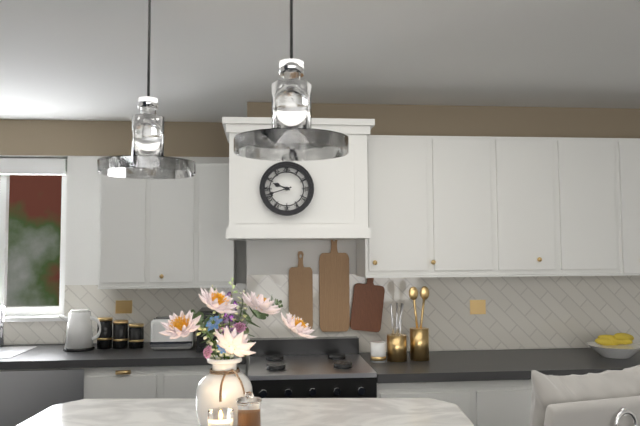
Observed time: 9:42
